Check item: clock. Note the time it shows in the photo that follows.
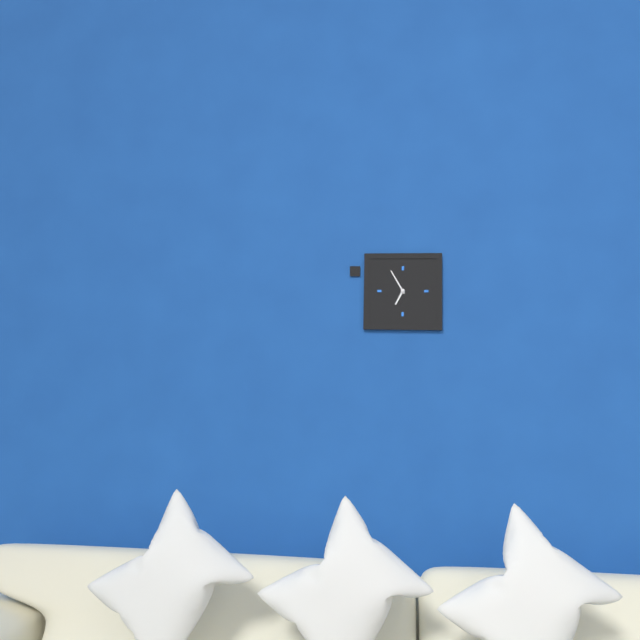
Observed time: 6:55
